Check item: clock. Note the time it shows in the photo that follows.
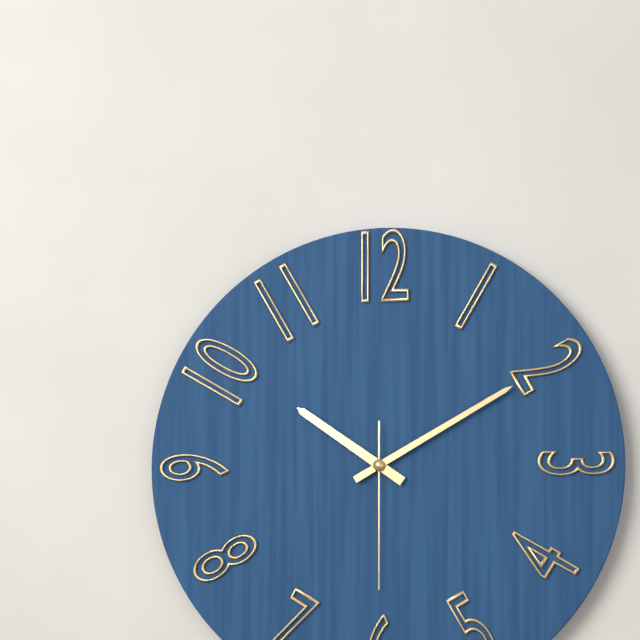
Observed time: 10:10:30
